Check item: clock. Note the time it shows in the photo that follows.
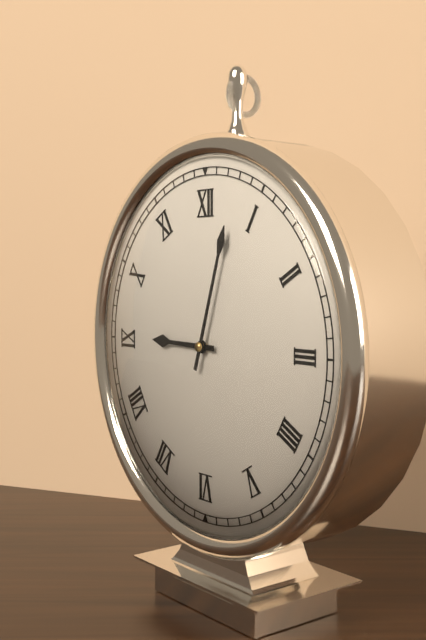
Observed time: 9:03
